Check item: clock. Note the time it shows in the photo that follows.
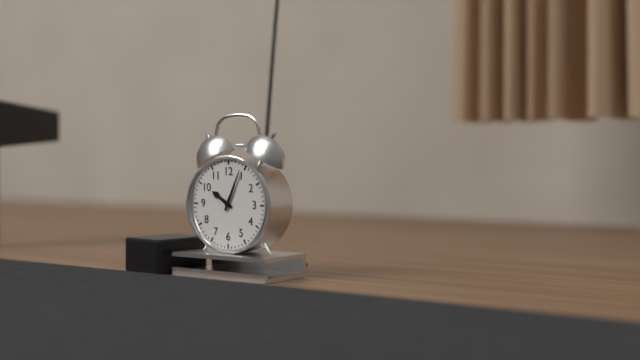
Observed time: 10:04
